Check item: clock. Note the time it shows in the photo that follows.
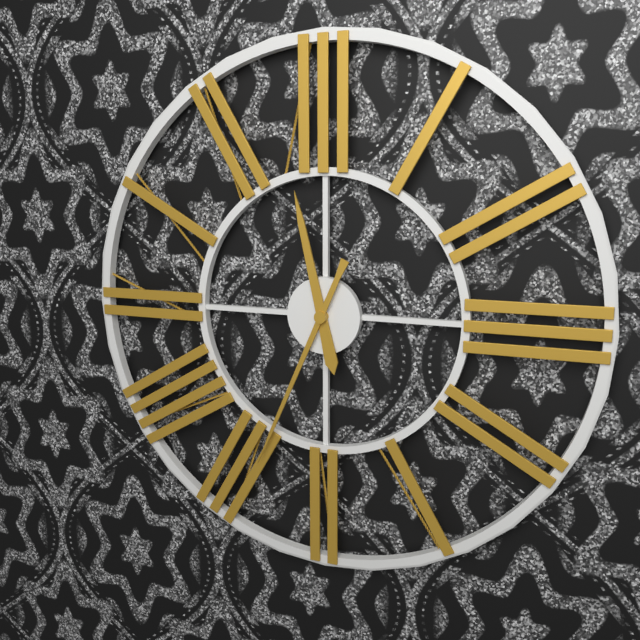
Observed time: 11:34
